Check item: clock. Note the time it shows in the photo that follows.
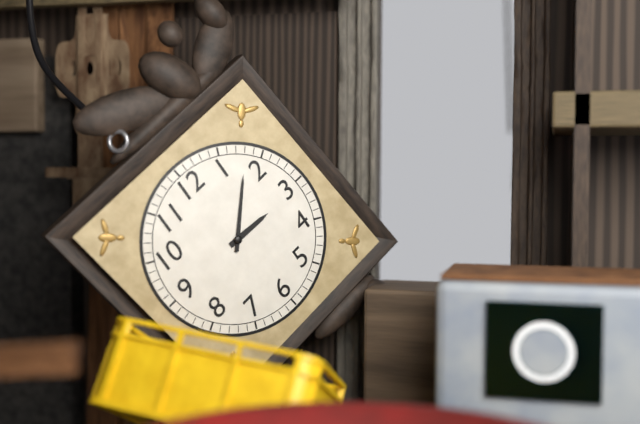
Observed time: 3:08
